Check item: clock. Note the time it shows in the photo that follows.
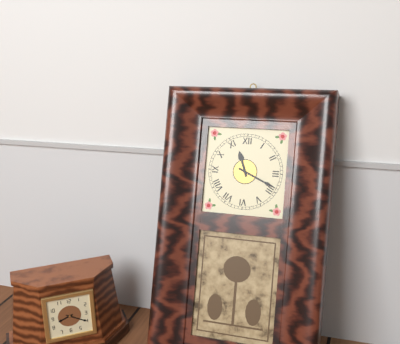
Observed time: 11:19
